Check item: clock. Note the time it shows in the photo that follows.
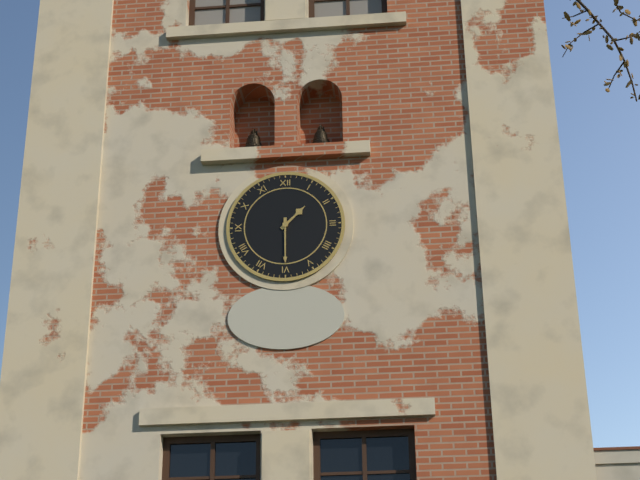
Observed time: 1:30
